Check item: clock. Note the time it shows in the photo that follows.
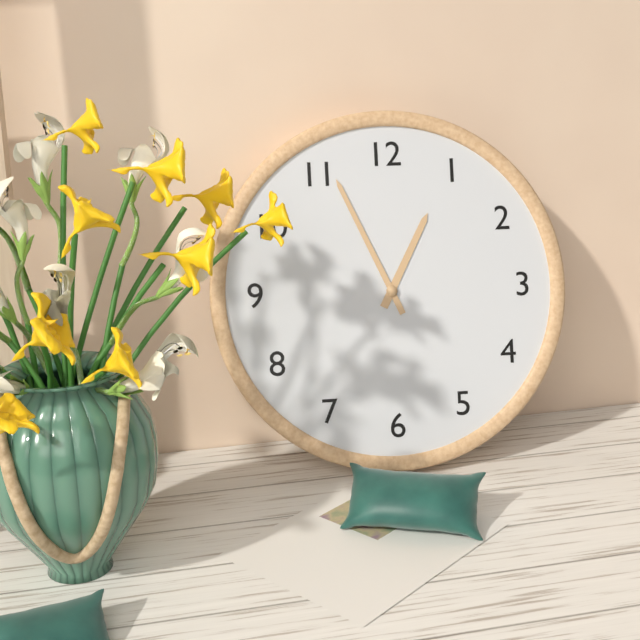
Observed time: 12:56
